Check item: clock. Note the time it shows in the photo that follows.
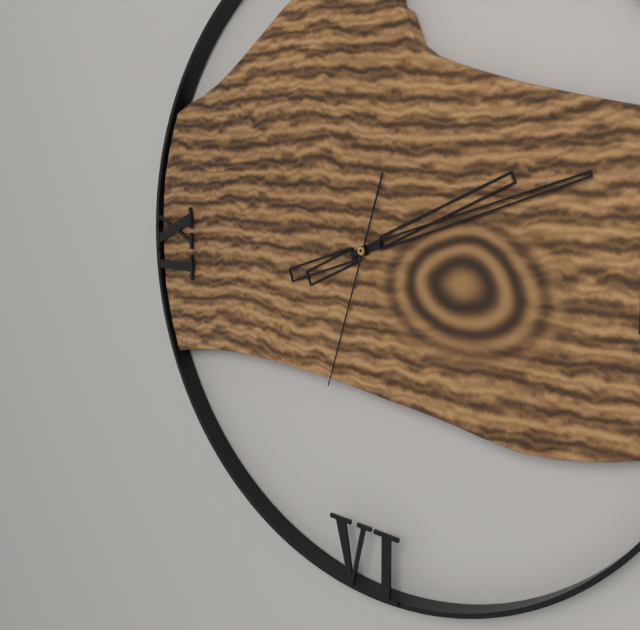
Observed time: 2:12:33
